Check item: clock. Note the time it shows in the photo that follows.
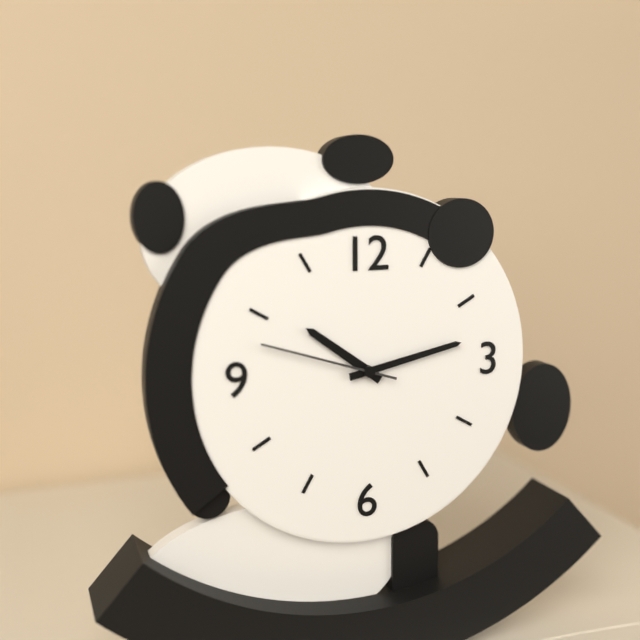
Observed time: 10:13:48
